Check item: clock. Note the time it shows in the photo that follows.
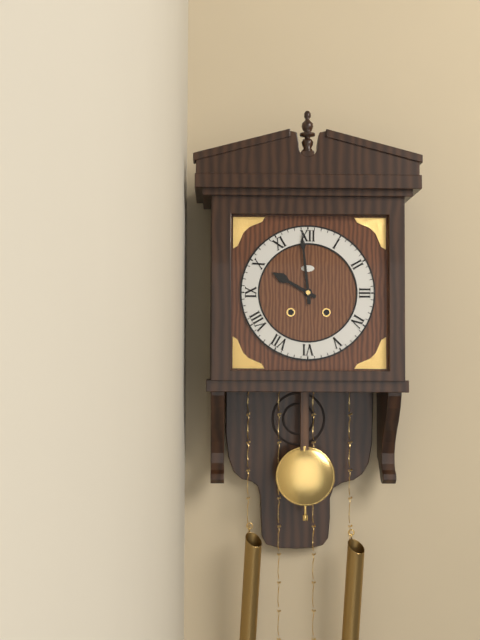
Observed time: 9:59
